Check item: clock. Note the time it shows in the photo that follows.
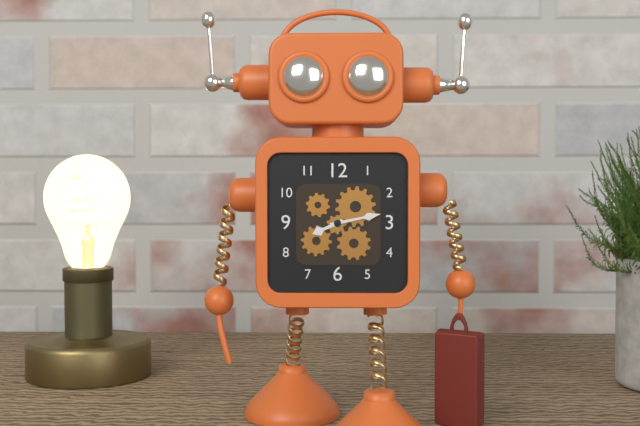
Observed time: 8:13
